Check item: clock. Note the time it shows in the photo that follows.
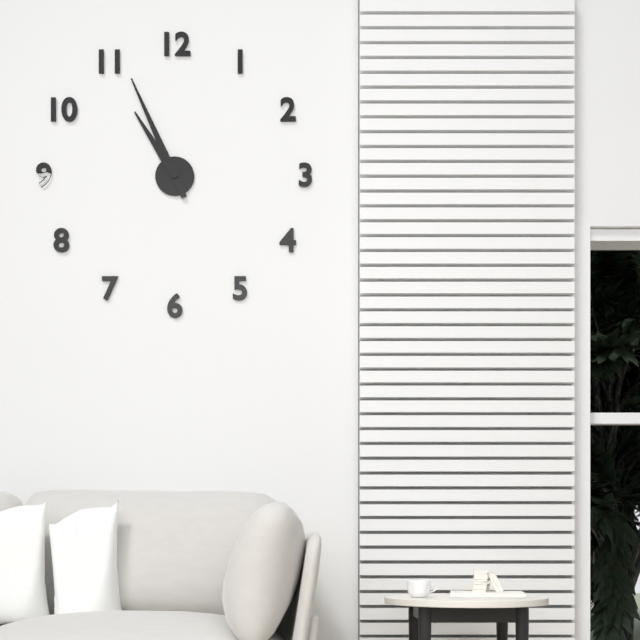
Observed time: 10:56
